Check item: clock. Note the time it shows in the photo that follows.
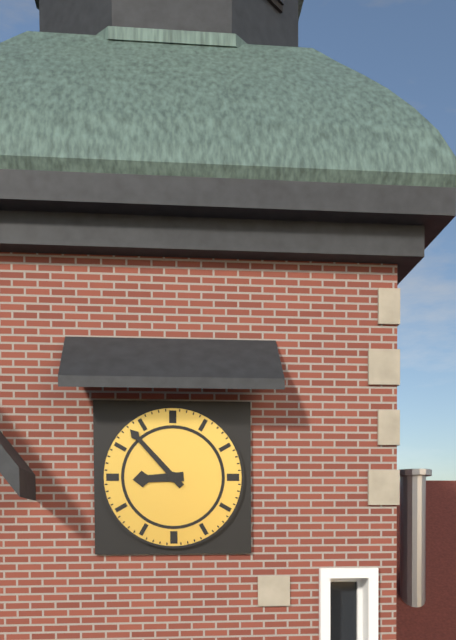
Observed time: 8:53
